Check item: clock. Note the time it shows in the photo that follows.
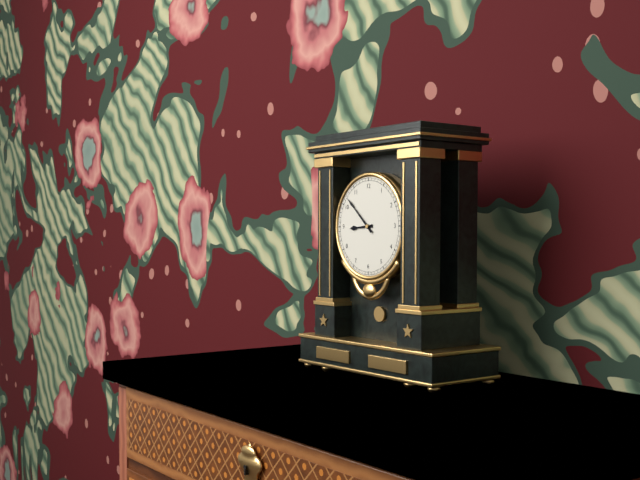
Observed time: 8:52
